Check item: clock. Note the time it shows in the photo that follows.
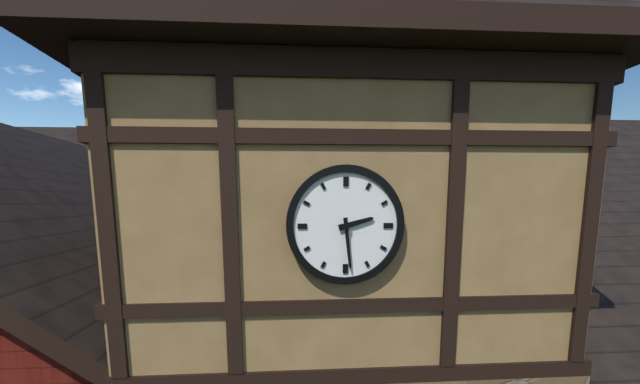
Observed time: 2:29
